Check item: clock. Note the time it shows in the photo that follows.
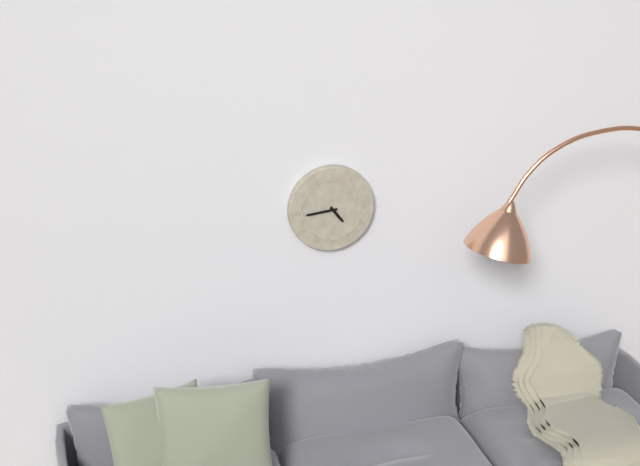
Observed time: 4:44
